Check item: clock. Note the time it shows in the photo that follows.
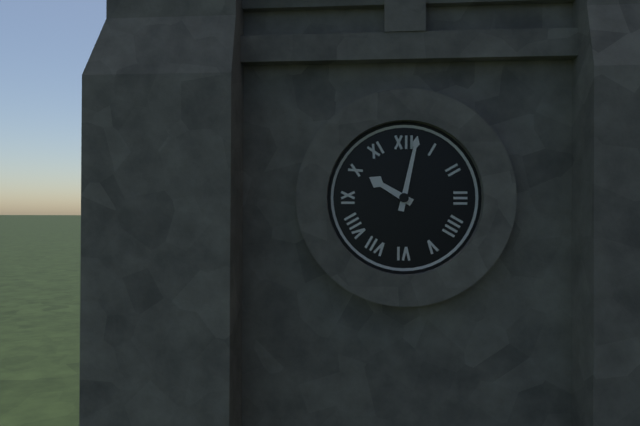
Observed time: 10:02
